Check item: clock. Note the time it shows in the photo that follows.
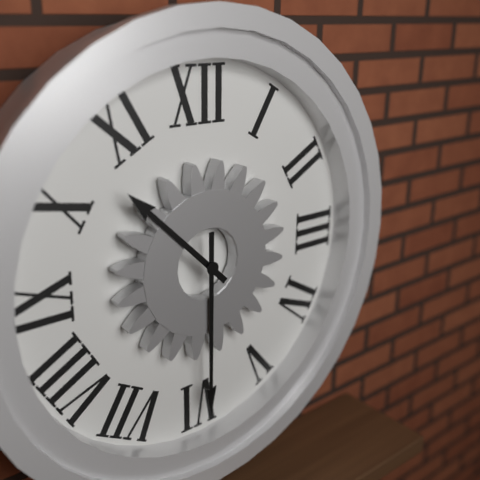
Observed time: 10:30
